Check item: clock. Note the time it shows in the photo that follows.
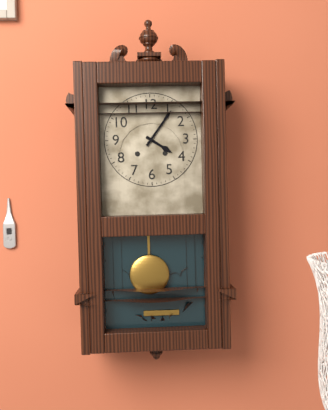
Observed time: 4:06
